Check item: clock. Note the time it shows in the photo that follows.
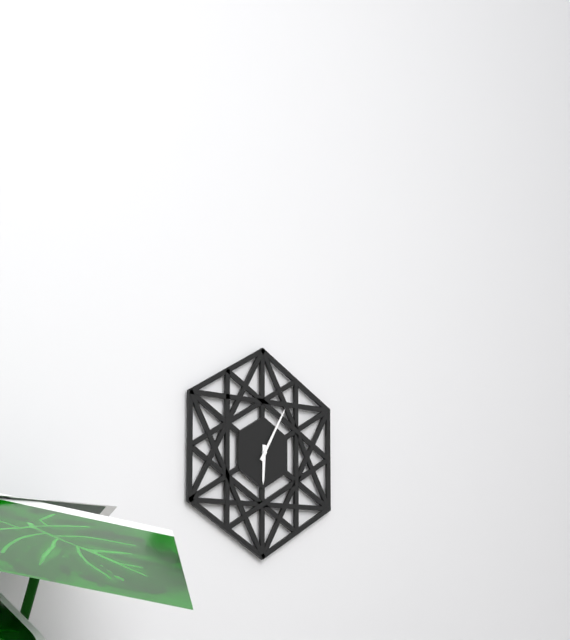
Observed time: 6:05
